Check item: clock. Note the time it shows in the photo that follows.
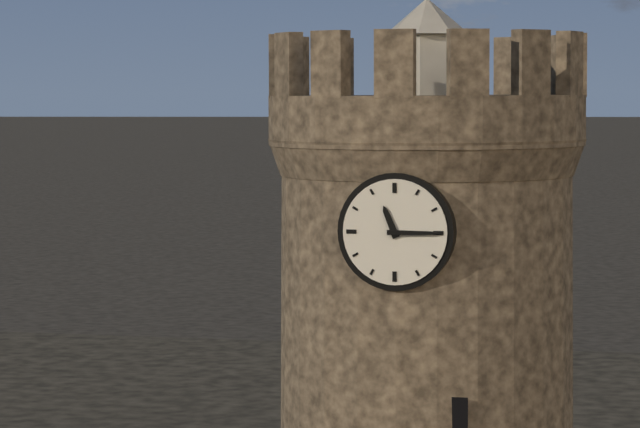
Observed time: 11:15
